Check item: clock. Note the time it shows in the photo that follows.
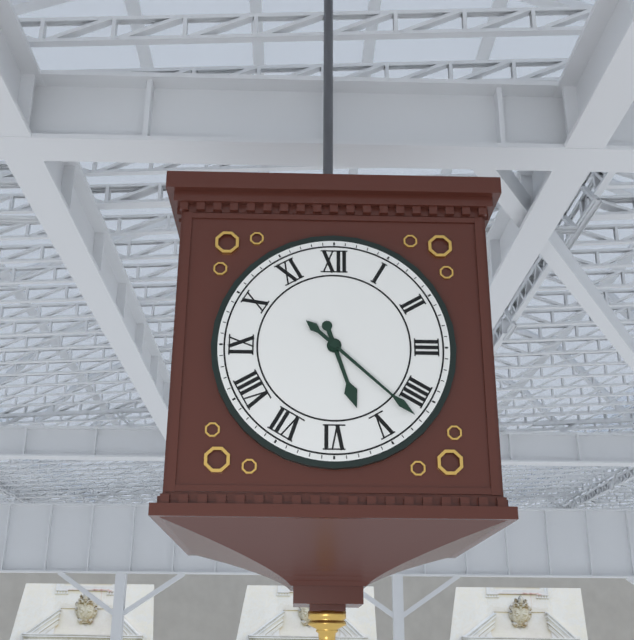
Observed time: 5:22
